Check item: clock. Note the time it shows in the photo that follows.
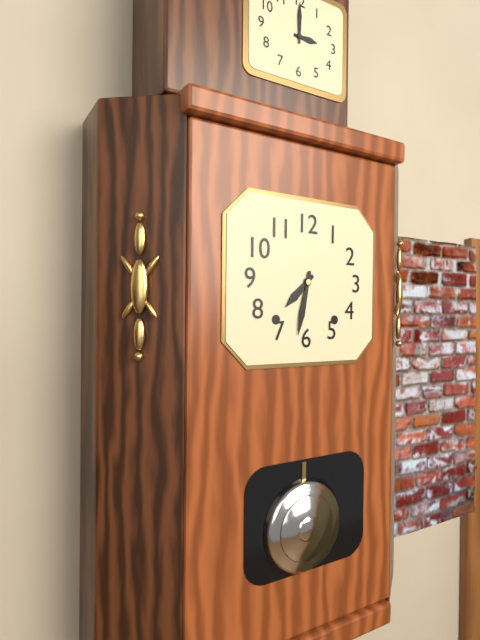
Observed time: 7:32
